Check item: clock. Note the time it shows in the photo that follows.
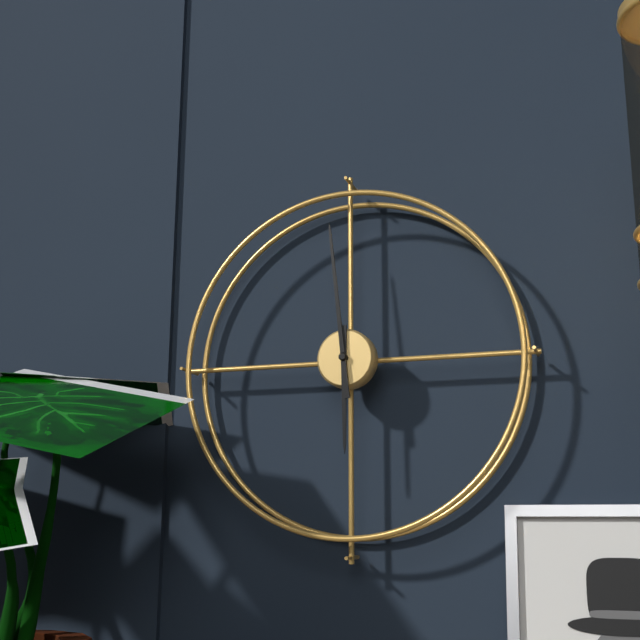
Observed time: 5:59
